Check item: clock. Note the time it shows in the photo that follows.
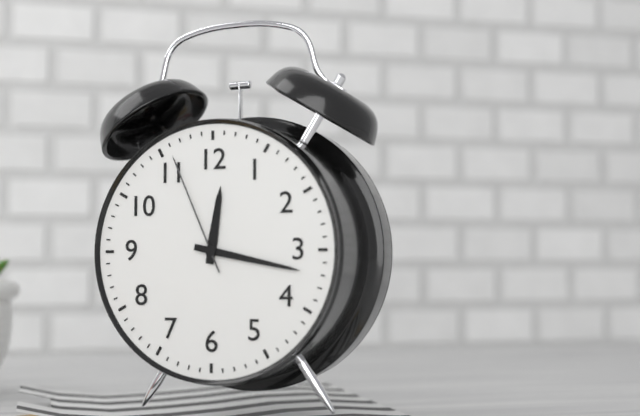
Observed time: 12:17:56
